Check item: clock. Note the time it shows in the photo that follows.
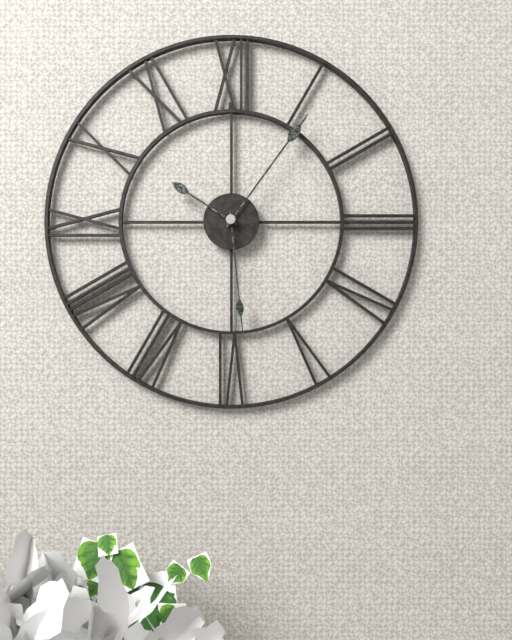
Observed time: 10:06:29
